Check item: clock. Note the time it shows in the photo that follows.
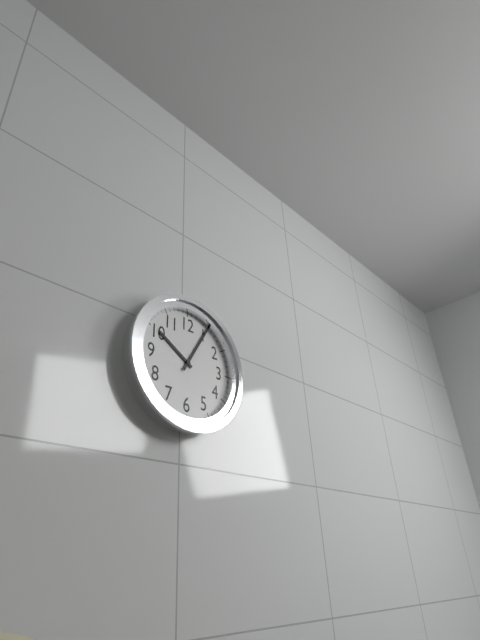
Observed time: 10:05
